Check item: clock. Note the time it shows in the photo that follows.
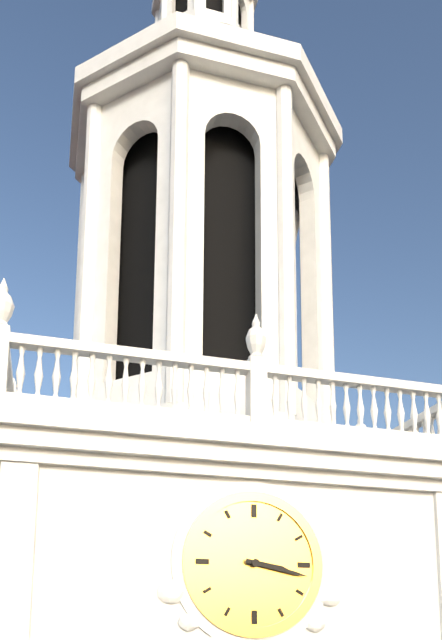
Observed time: 3:17
